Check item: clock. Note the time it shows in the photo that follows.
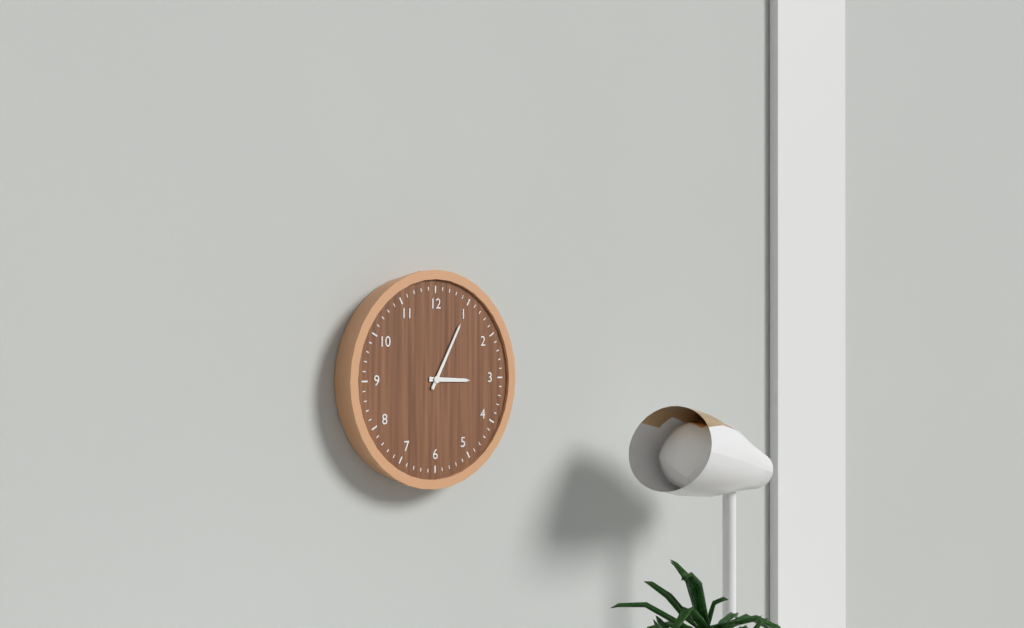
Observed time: 3:05
